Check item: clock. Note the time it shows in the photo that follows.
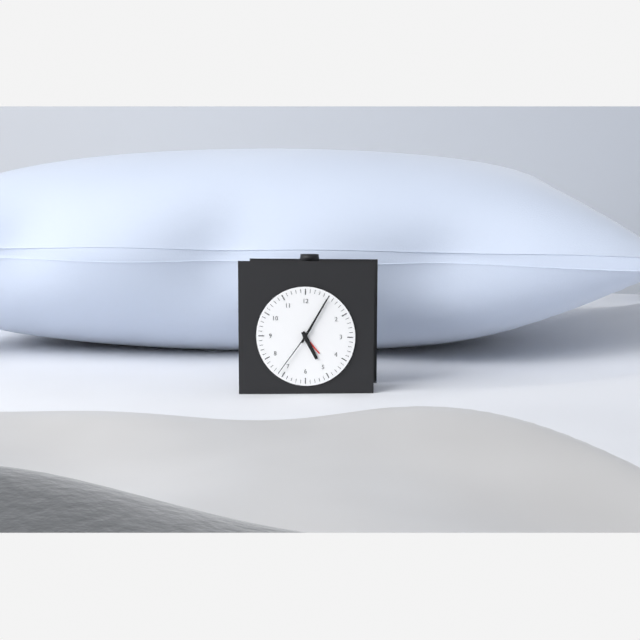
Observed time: 5:05:36
